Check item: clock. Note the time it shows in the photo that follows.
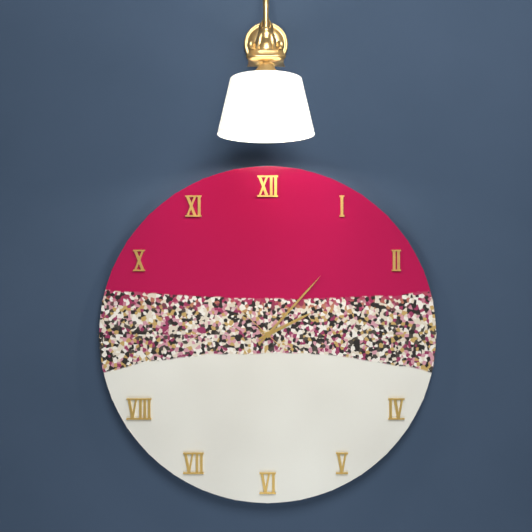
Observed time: 2:07:52
